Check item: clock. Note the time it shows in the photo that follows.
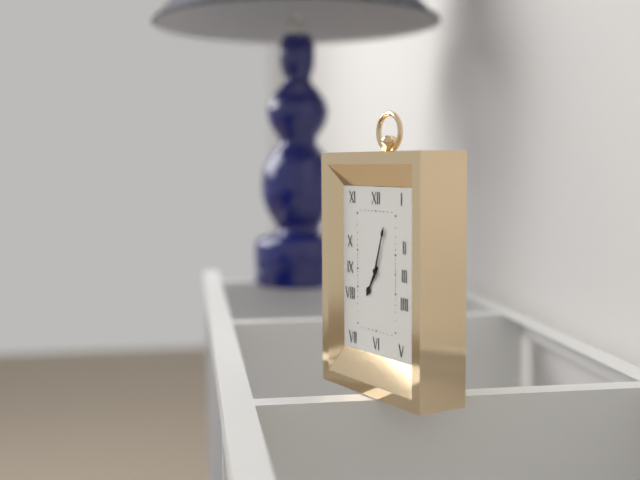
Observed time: 7:03
